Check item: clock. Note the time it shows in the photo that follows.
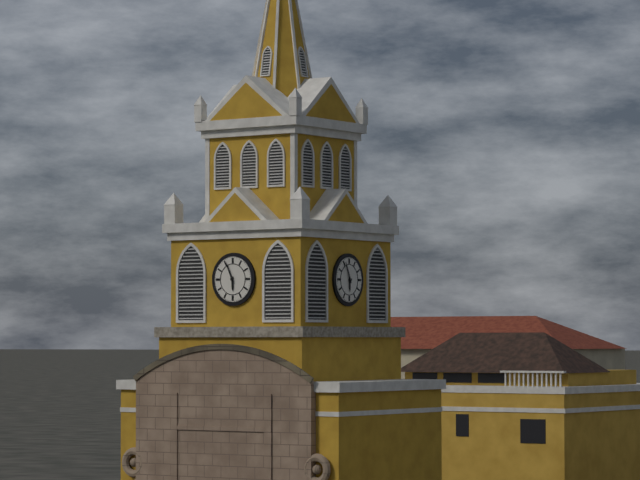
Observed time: 5:56
